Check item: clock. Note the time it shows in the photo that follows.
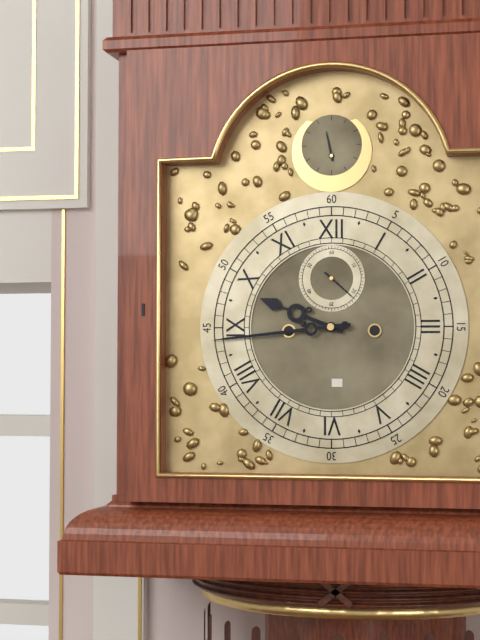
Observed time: 9:44
